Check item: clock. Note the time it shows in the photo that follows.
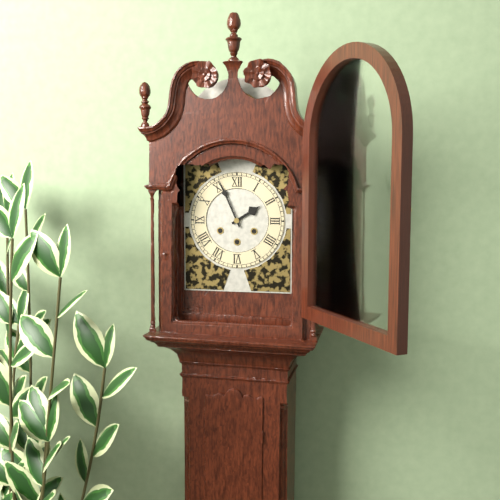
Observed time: 1:56
